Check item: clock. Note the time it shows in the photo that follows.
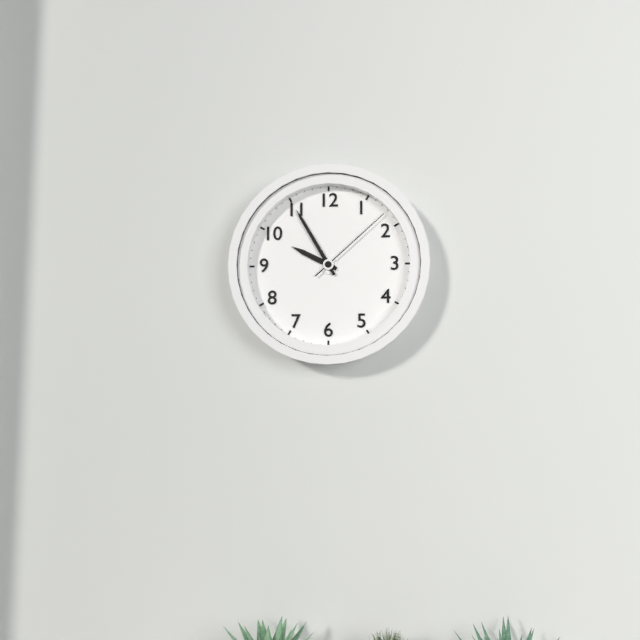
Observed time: 9:55:08
